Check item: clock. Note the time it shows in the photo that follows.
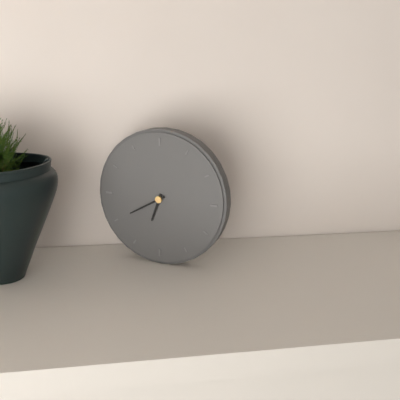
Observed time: 6:40
